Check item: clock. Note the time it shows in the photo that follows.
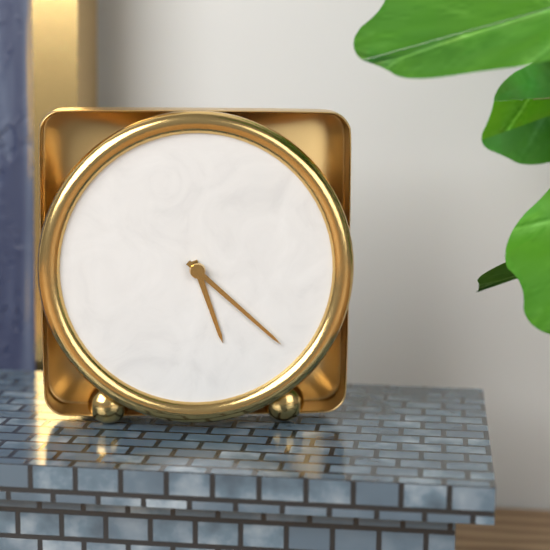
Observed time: 5:22
